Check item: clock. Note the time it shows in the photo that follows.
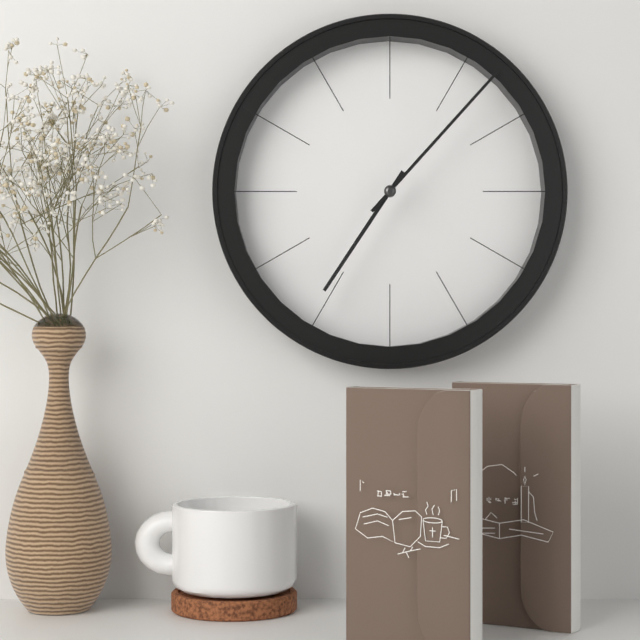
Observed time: 7:07
